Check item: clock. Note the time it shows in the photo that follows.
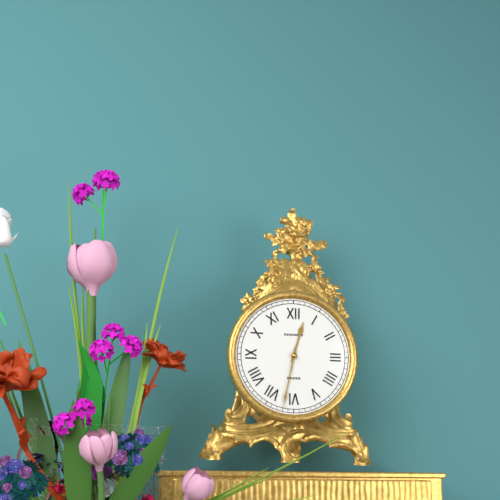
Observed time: 12:32
